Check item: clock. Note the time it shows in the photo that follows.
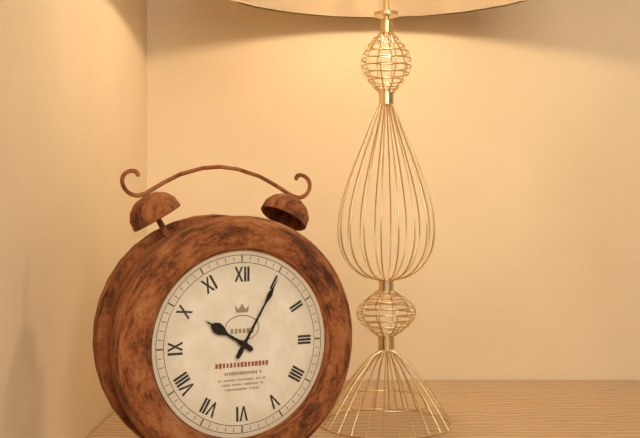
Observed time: 10:05
